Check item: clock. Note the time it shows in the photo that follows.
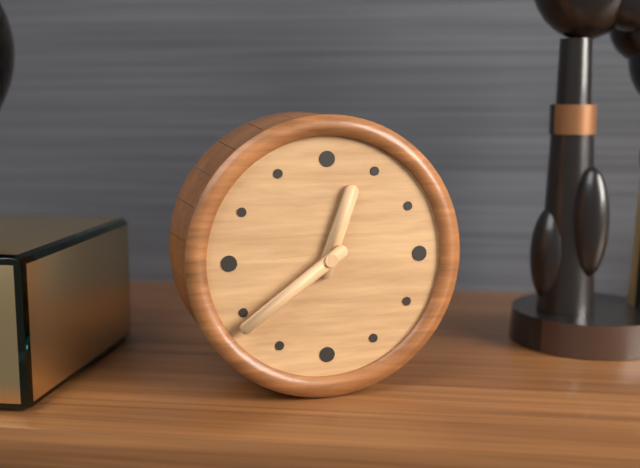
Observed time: 12:39
